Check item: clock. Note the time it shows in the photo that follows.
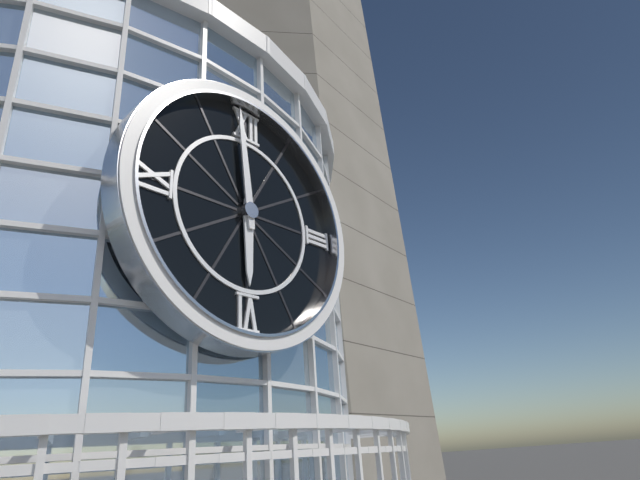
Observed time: 5:59
